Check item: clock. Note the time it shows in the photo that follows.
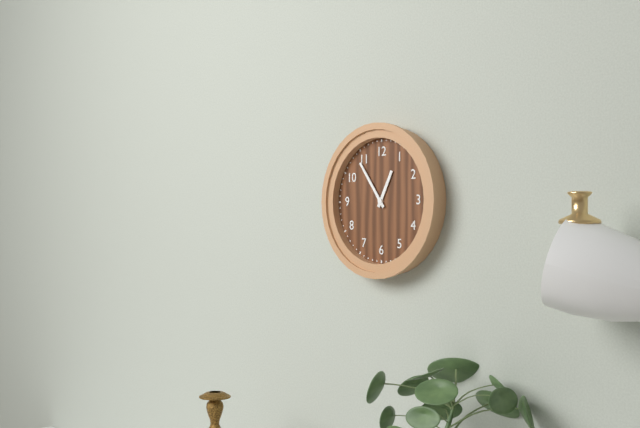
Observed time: 12:54
